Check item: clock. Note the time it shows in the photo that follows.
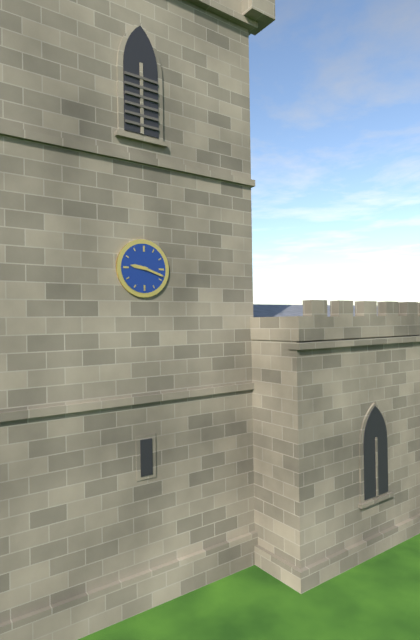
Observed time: 9:18
